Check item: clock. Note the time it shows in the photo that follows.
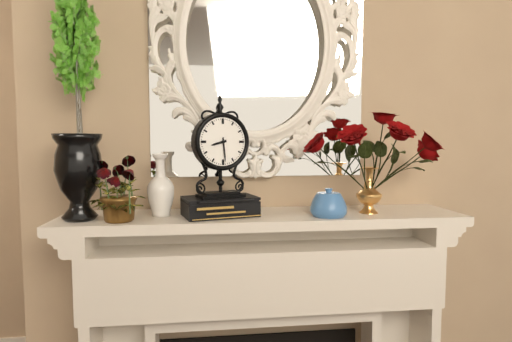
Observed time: 8:29
